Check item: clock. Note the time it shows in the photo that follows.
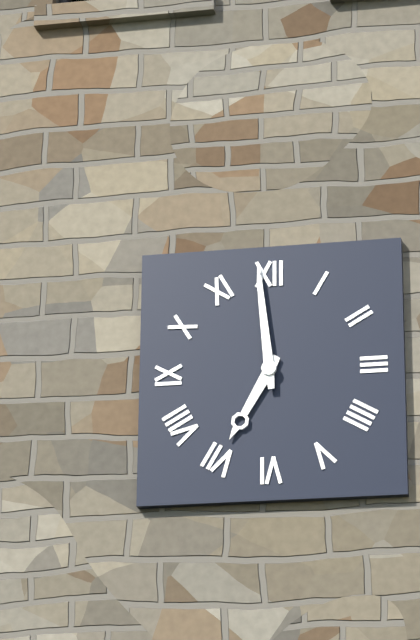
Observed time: 6:59
